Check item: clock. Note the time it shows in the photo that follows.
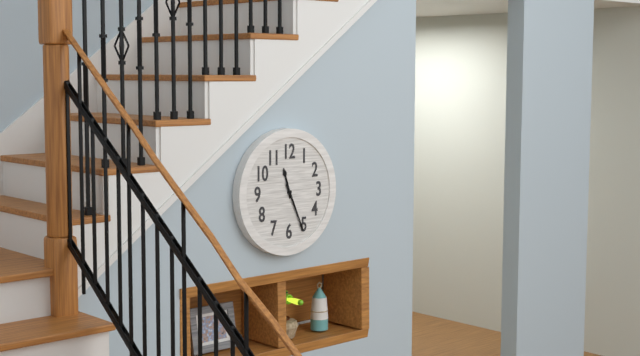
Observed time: 11:26
